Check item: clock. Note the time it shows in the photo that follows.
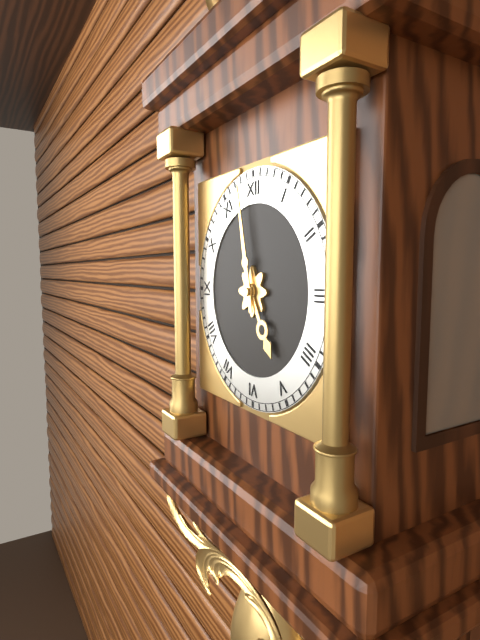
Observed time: 4:58
